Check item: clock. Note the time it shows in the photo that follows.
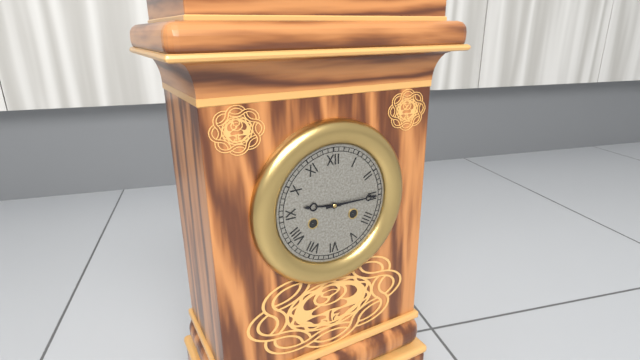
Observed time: 9:15
